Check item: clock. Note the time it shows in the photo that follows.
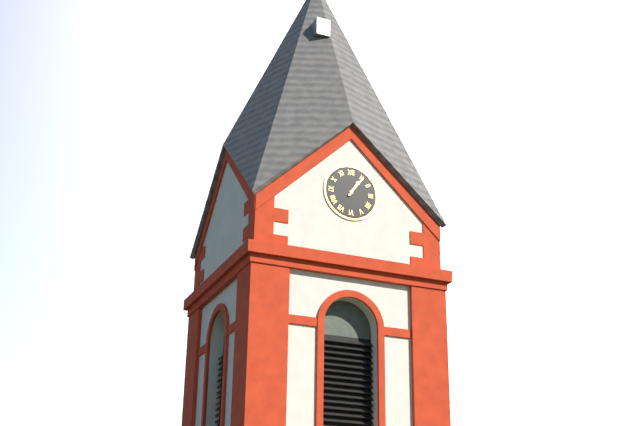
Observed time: 1:06
